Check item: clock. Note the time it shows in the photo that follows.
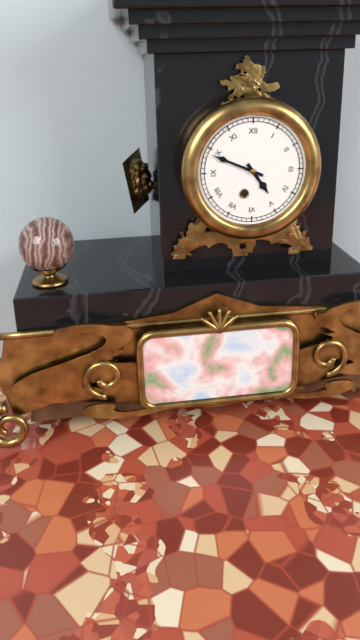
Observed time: 4:49
